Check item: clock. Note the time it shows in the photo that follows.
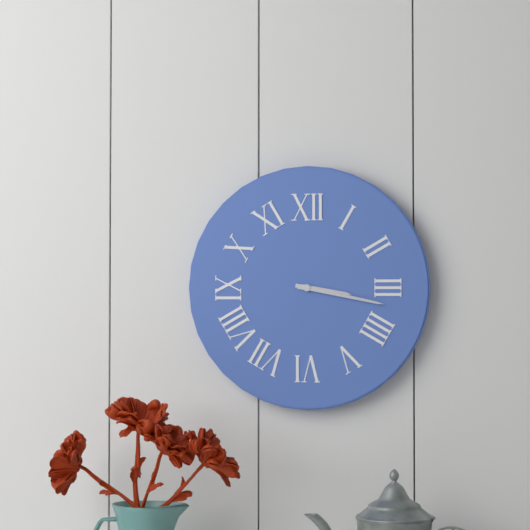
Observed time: 3:17
